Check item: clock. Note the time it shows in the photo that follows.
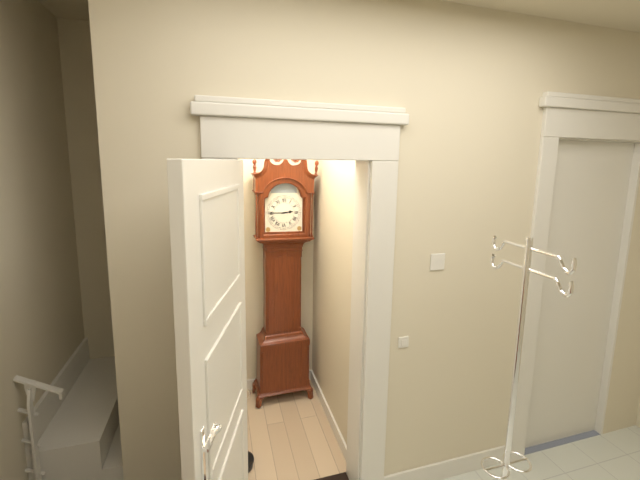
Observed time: 2:45
